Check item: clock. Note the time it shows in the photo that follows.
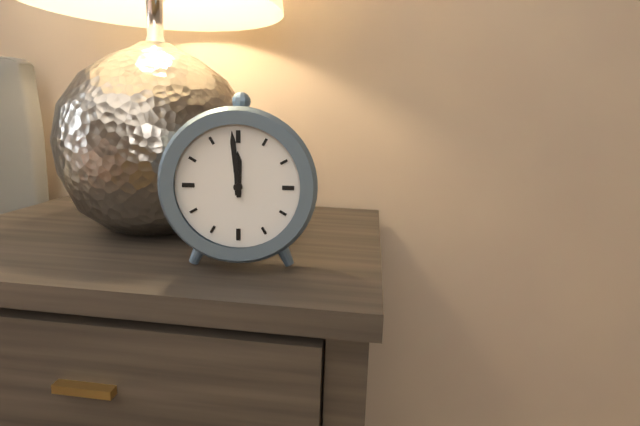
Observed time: 11:59
